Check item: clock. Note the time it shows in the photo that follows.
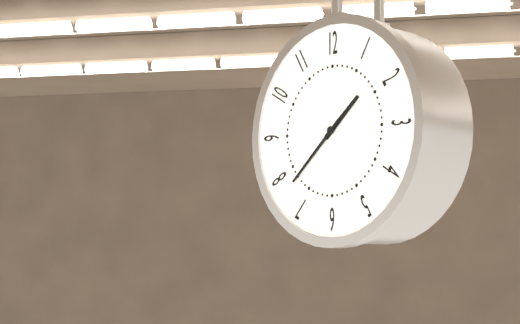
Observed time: 1:38
